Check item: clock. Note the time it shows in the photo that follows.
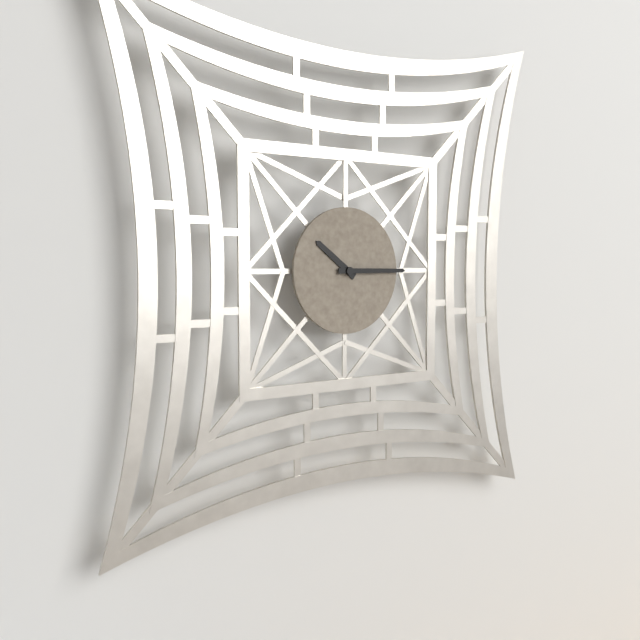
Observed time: 10:15
